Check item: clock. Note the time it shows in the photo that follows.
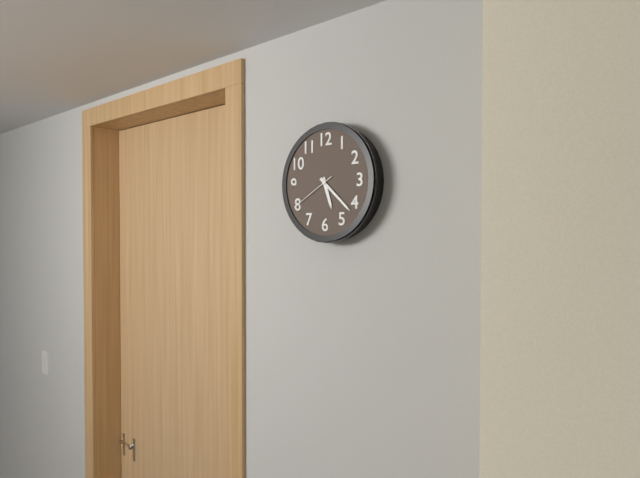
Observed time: 5:22
